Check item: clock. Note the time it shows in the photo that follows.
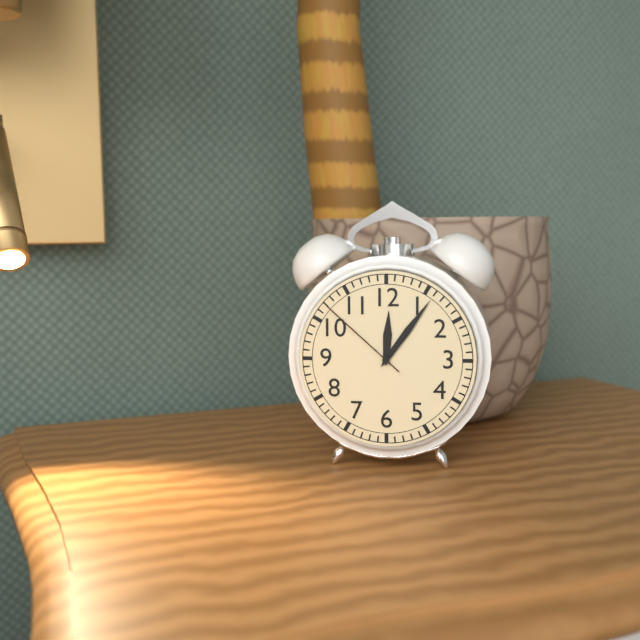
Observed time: 12:06:52
